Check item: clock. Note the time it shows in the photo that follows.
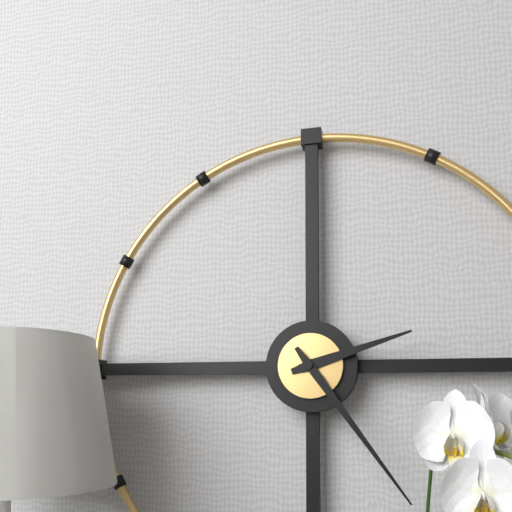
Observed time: 2:24
